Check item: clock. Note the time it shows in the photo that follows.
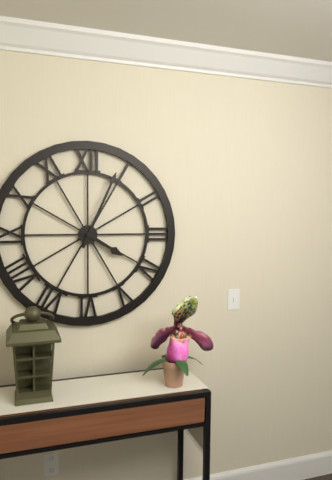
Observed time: 4:04
